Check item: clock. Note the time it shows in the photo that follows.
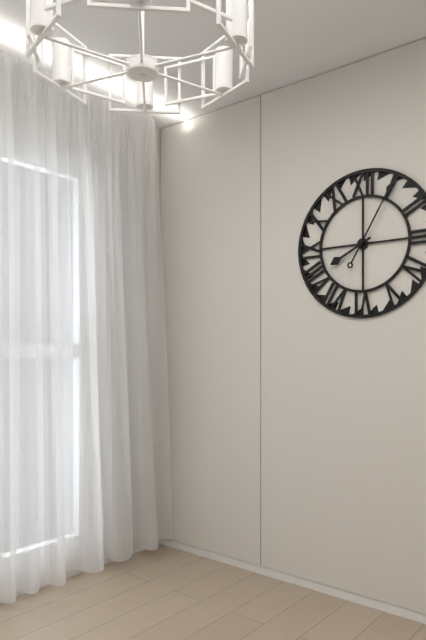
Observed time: 8:05
